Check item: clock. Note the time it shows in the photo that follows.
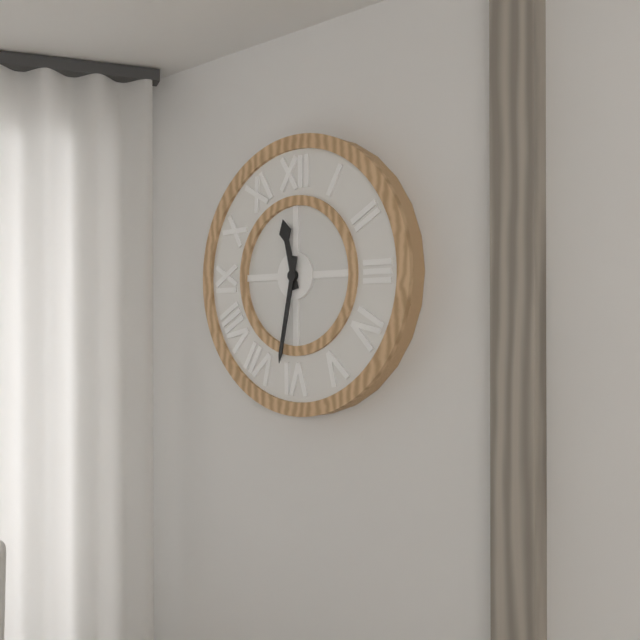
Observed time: 11:32
